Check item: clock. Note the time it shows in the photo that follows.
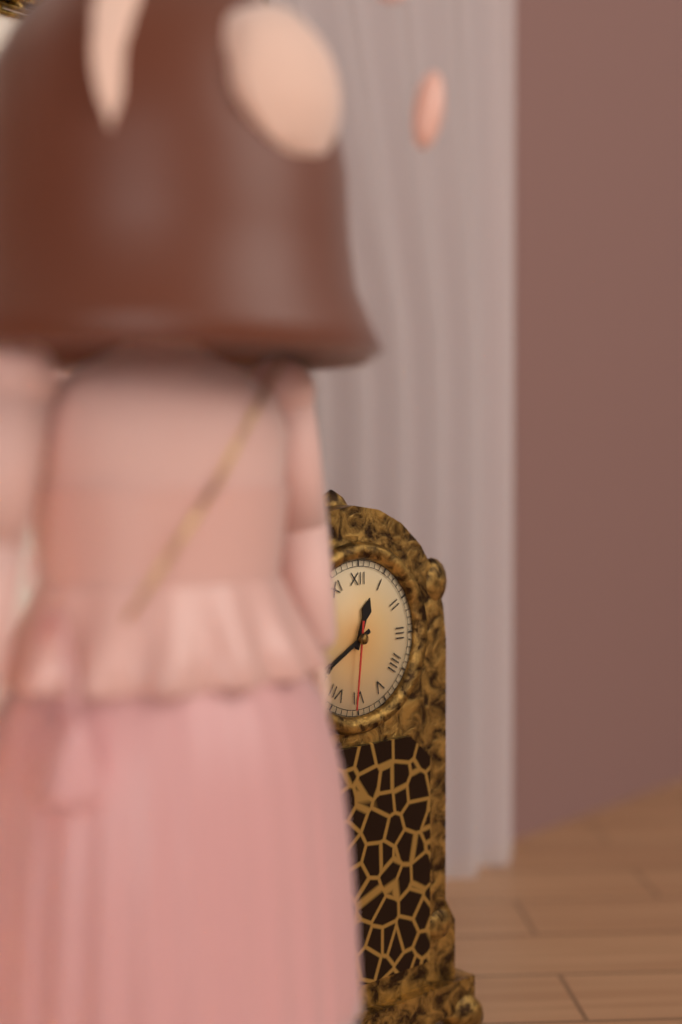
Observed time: 12:40:31
